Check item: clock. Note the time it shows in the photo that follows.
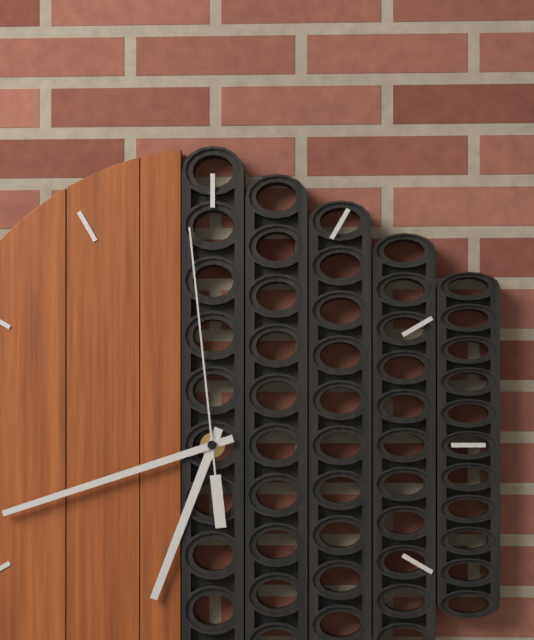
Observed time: 6:42:59
